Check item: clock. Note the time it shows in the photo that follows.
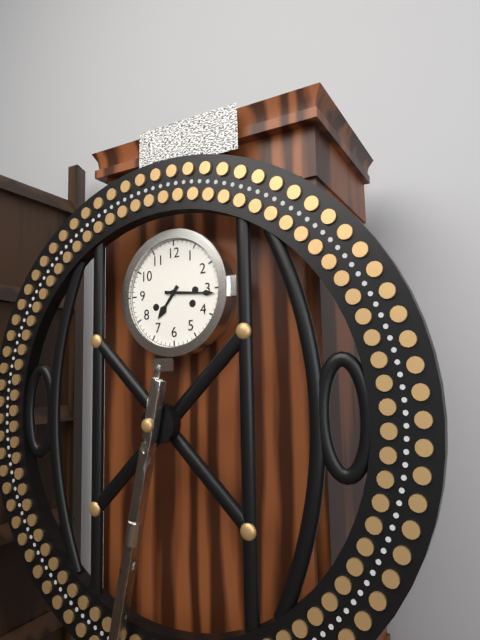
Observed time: 7:16
